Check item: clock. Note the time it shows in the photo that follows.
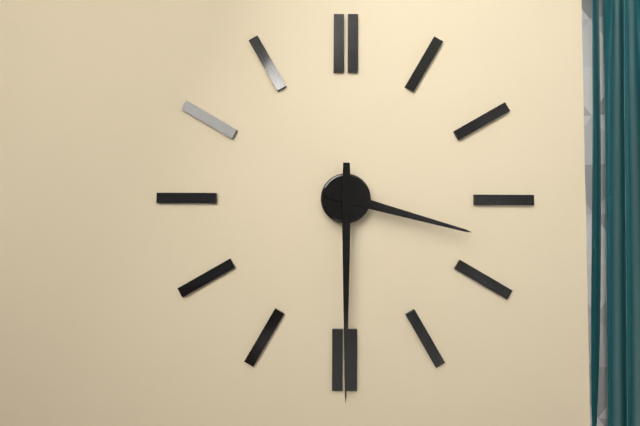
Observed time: 3:30
